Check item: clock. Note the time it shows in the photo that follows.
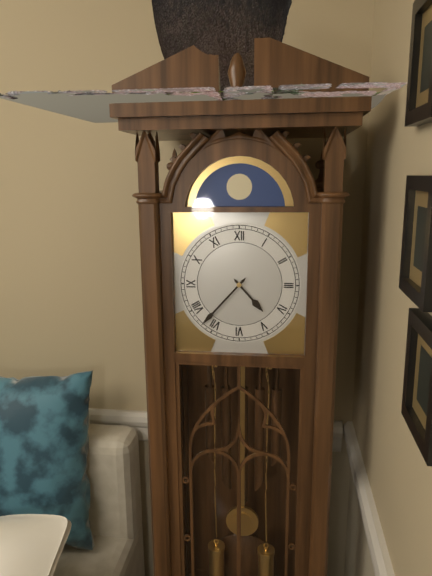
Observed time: 4:37
